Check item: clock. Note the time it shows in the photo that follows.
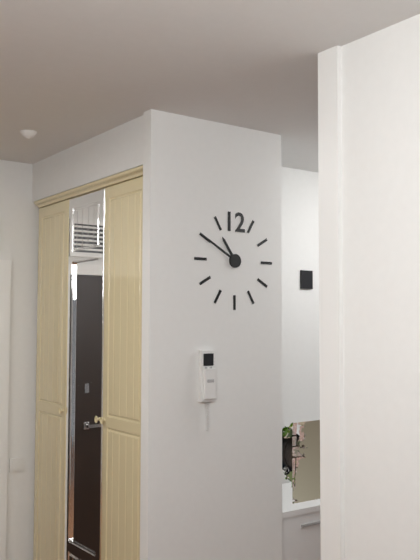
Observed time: 10:50
